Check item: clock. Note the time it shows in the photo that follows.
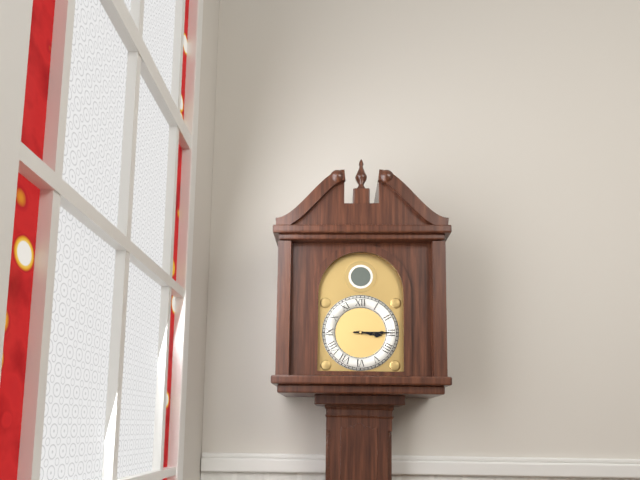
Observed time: 3:15
